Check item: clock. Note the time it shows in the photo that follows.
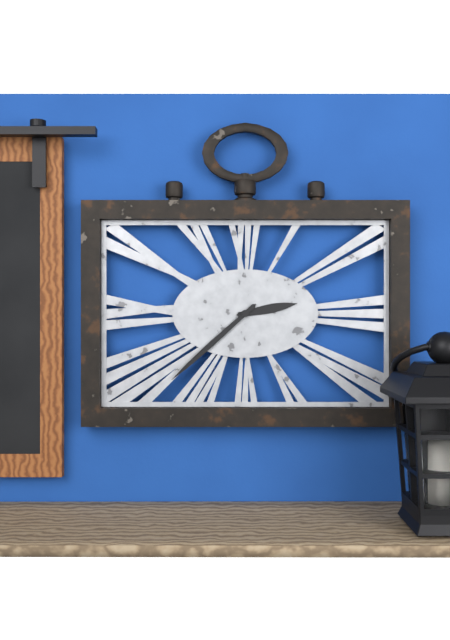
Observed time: 2:38
